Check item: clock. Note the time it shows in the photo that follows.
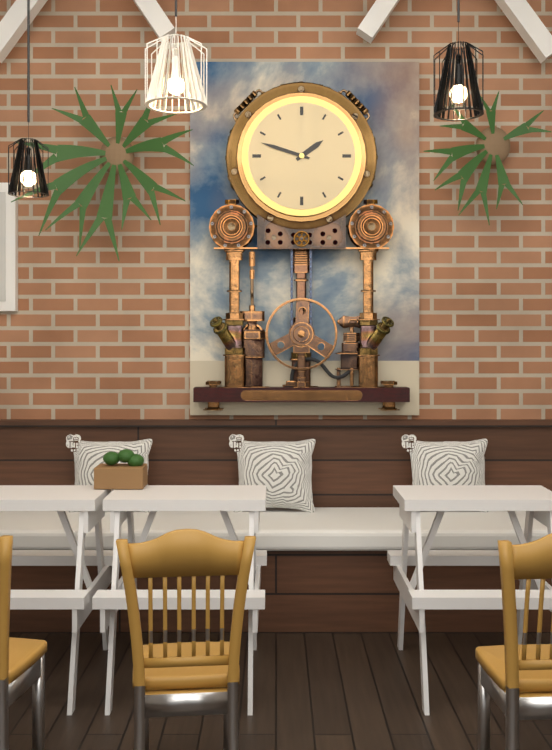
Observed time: 1:48
